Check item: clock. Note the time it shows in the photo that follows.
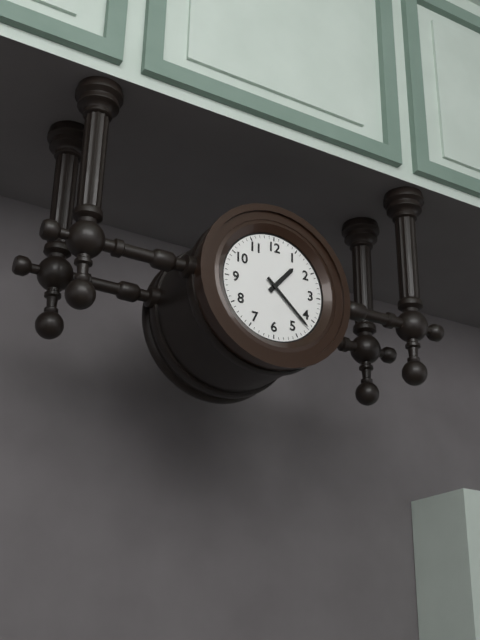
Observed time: 1:22
